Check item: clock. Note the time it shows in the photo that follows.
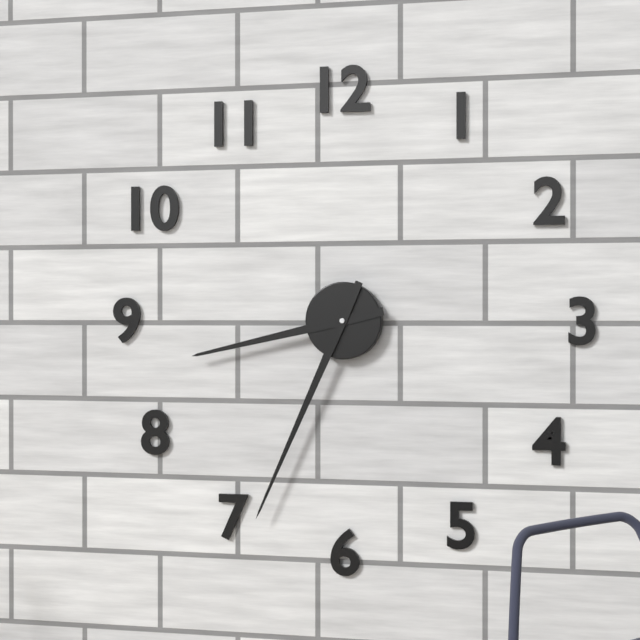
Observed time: 8:34
